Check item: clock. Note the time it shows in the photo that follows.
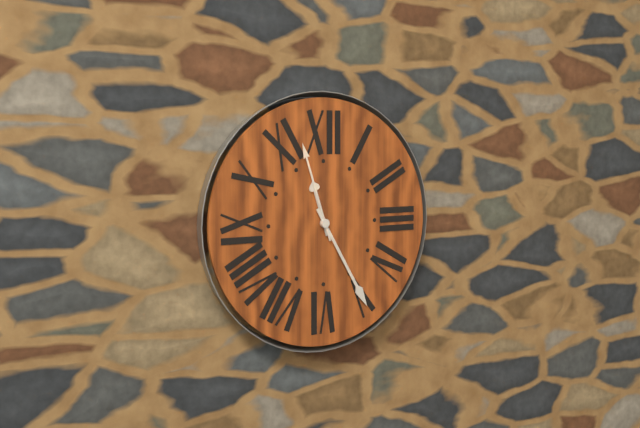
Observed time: 11:25:57
